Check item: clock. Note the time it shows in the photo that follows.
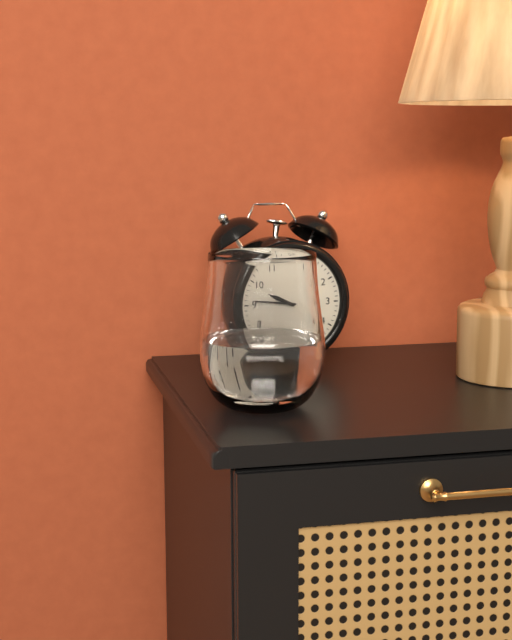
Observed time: 9:46
